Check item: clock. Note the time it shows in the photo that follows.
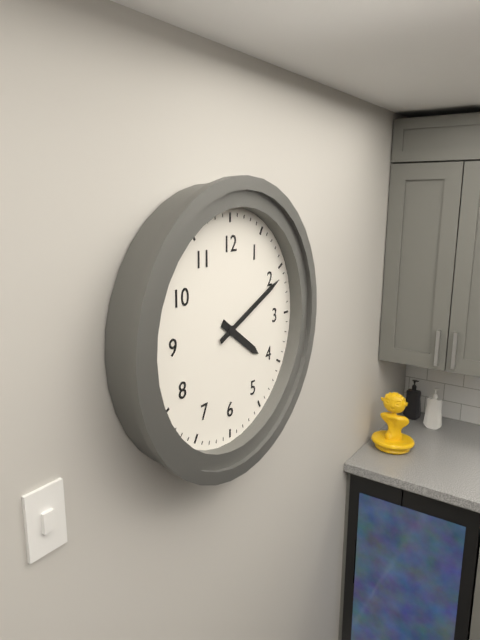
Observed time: 4:11
